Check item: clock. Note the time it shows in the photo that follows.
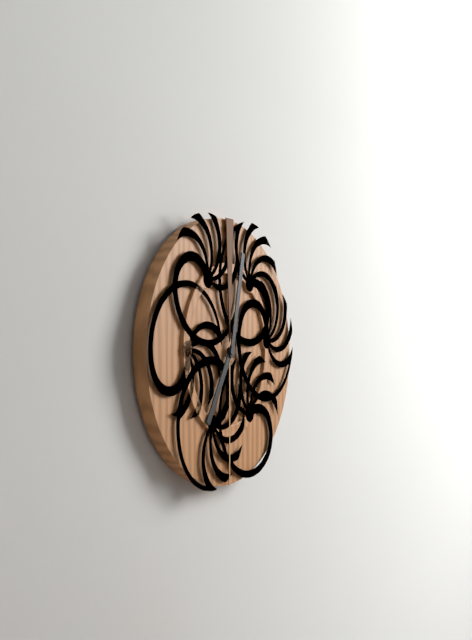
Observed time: 7:02
